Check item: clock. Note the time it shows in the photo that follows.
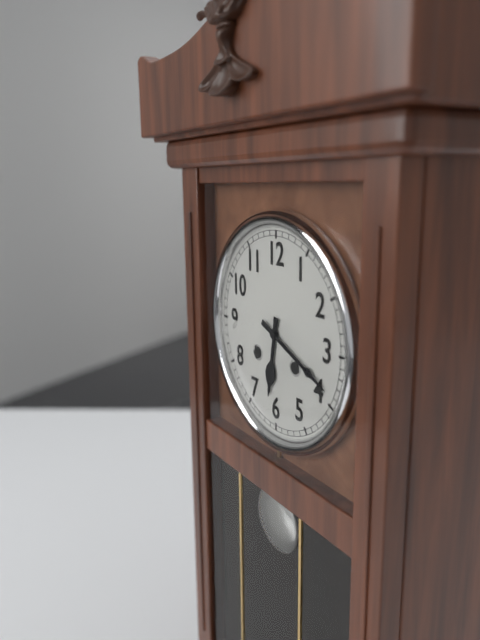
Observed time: 6:19
